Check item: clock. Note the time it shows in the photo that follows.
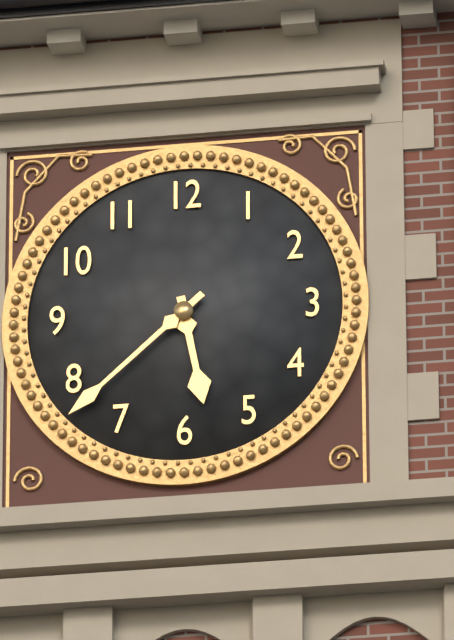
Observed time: 5:38
